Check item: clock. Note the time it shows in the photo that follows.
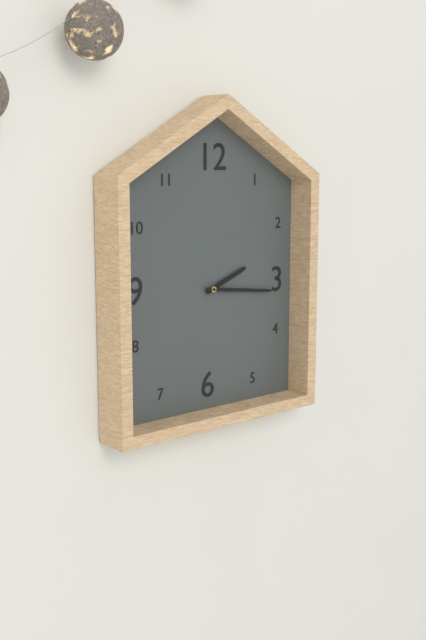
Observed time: 2:16
